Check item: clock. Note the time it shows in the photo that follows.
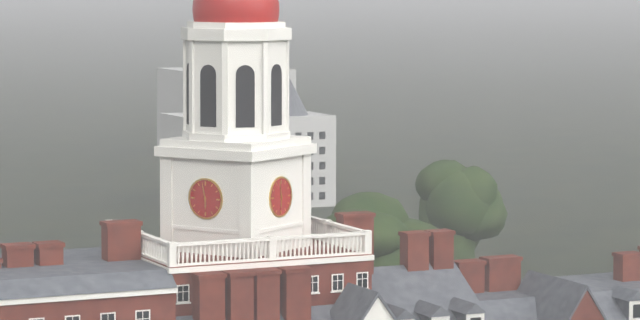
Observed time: 5:58
